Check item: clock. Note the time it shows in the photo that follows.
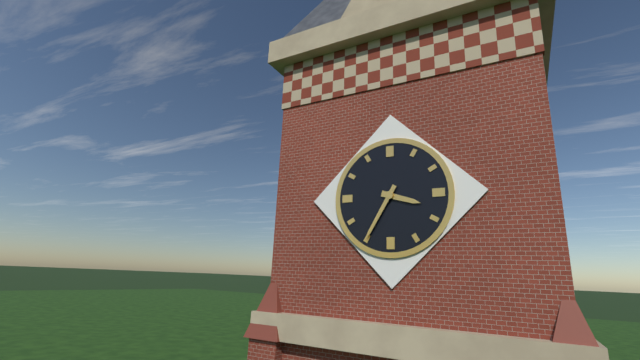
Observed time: 3:35
